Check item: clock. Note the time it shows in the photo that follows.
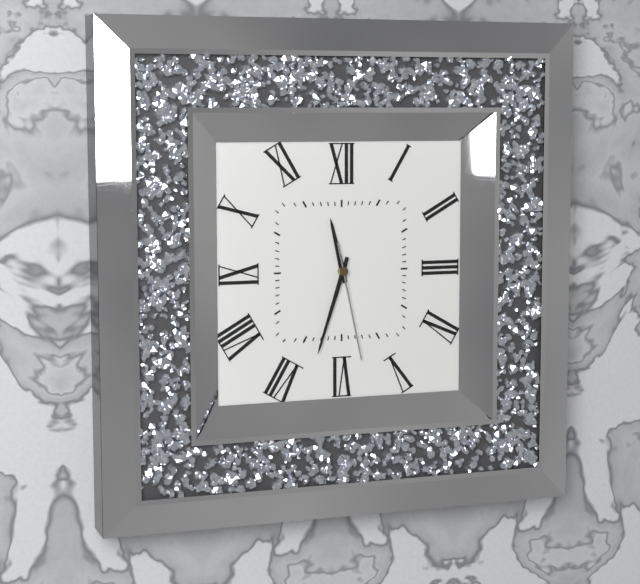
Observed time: 11:33:28
